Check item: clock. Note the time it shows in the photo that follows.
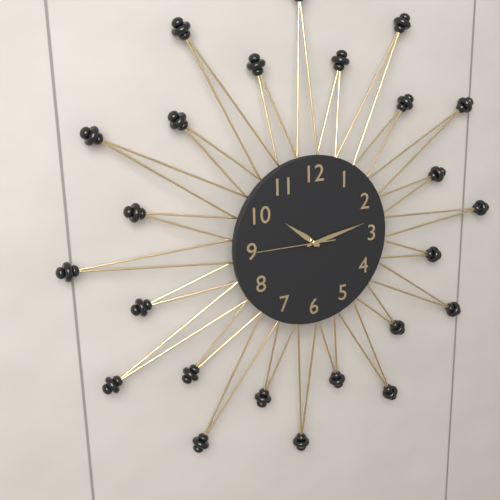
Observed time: 10:13:45
